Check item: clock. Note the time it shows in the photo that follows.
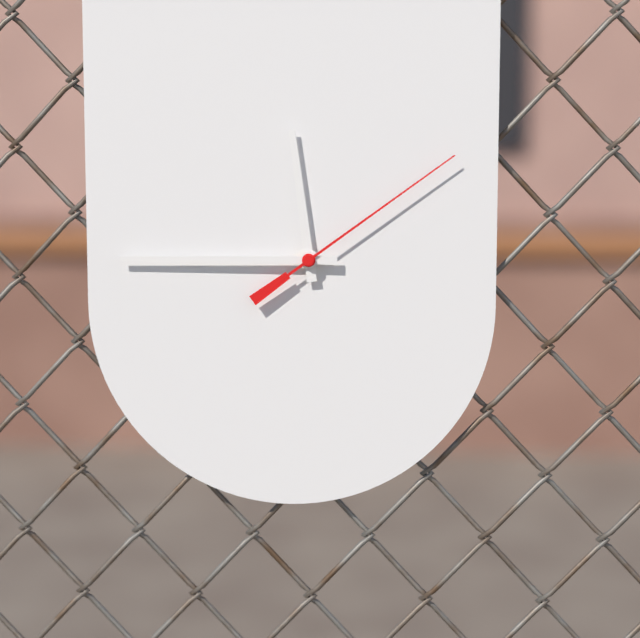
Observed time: 11:45:09
